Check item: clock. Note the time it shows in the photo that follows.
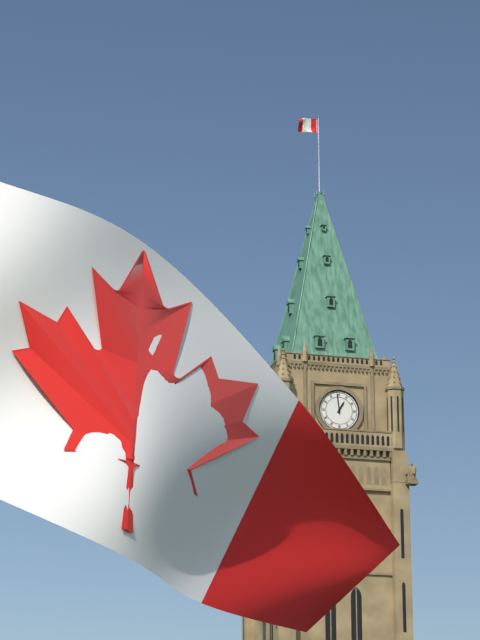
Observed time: 12:59
